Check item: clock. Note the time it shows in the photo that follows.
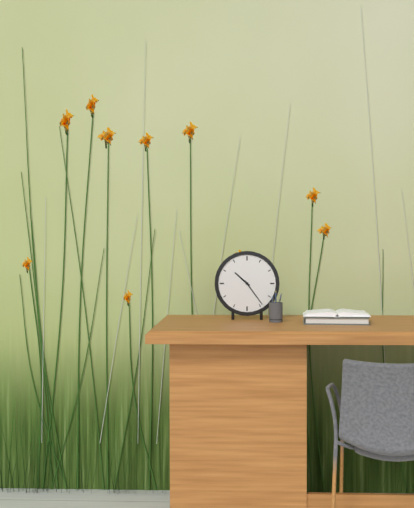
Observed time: 10:24
